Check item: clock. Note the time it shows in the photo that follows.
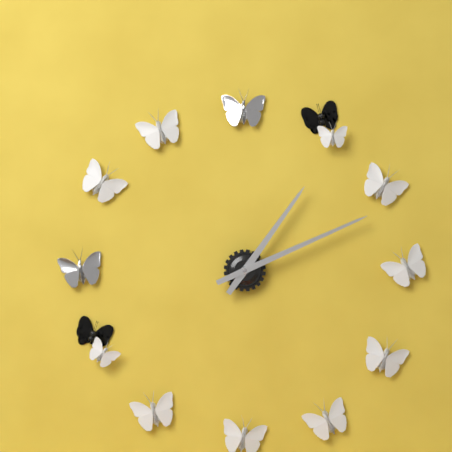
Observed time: 1:11
